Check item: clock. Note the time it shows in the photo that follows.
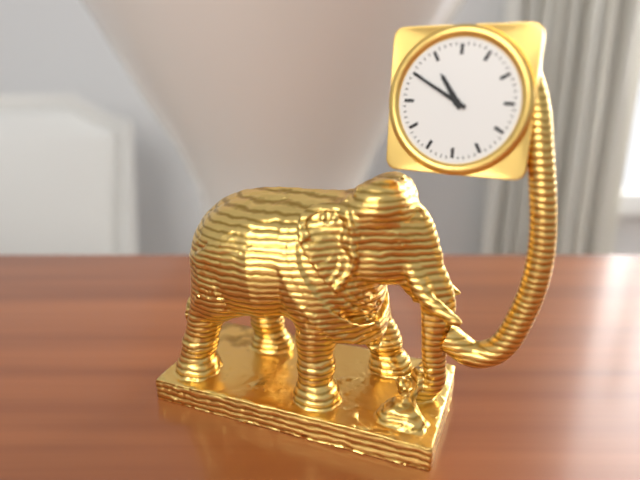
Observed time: 10:50
